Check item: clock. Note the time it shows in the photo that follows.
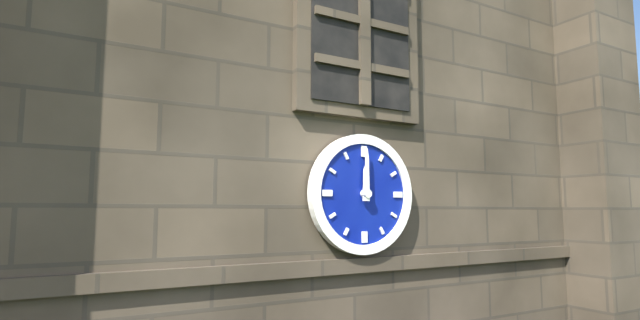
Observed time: 12:00
